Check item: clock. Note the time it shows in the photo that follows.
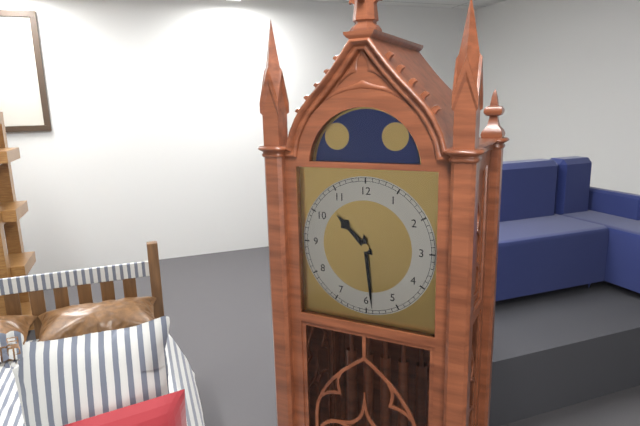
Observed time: 10:29
